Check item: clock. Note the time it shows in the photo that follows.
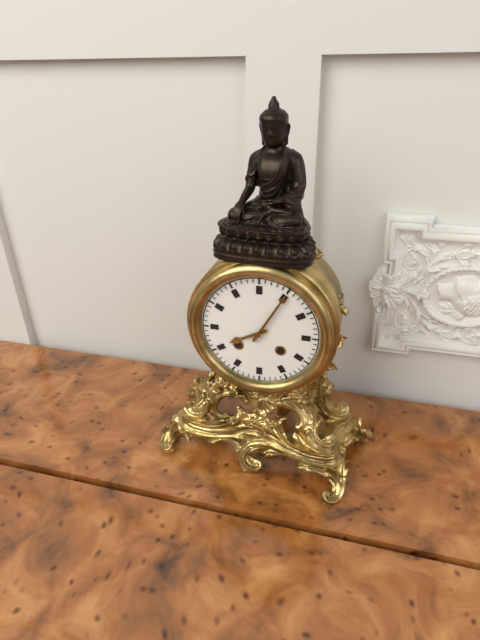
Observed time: 8:05
